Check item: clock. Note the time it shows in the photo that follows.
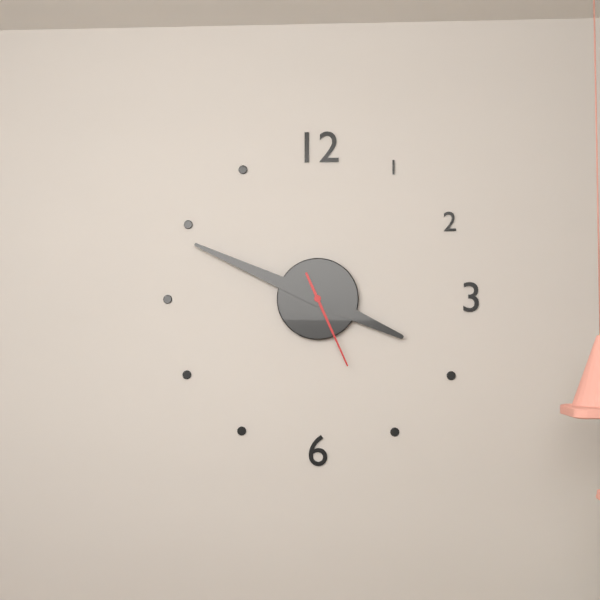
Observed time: 3:49:26
